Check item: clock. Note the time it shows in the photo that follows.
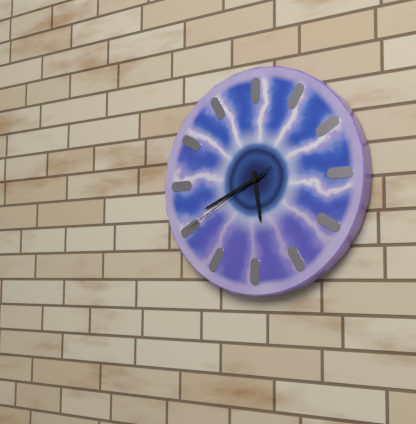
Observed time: 5:41:40
